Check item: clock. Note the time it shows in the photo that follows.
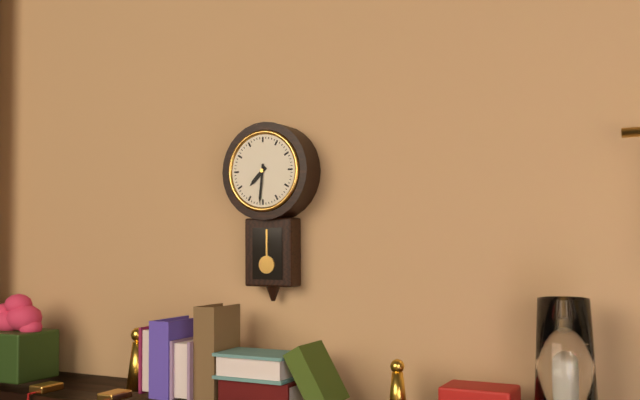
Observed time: 7:31
